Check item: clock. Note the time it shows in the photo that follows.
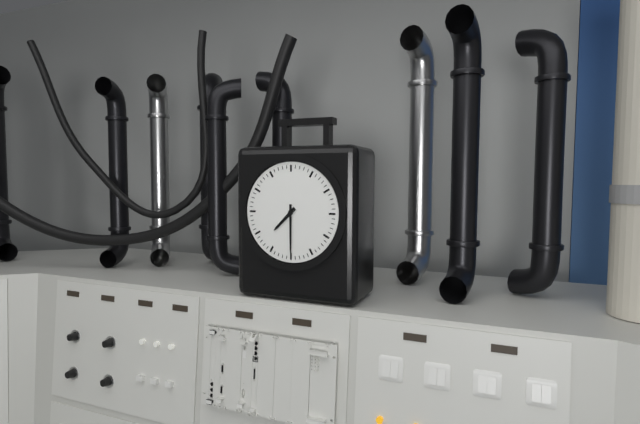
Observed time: 7:30
